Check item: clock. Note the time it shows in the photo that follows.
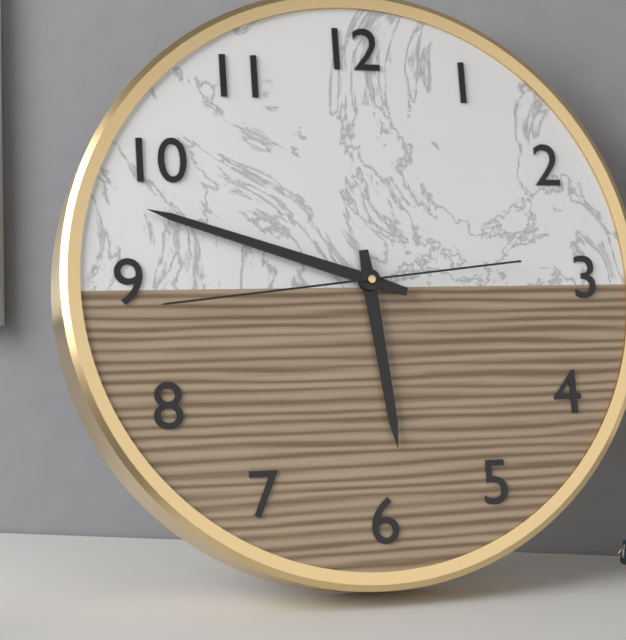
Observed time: 5:48:44
